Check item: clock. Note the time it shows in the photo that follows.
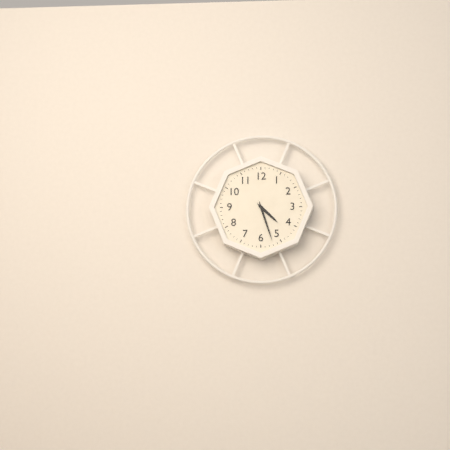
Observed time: 4:27
